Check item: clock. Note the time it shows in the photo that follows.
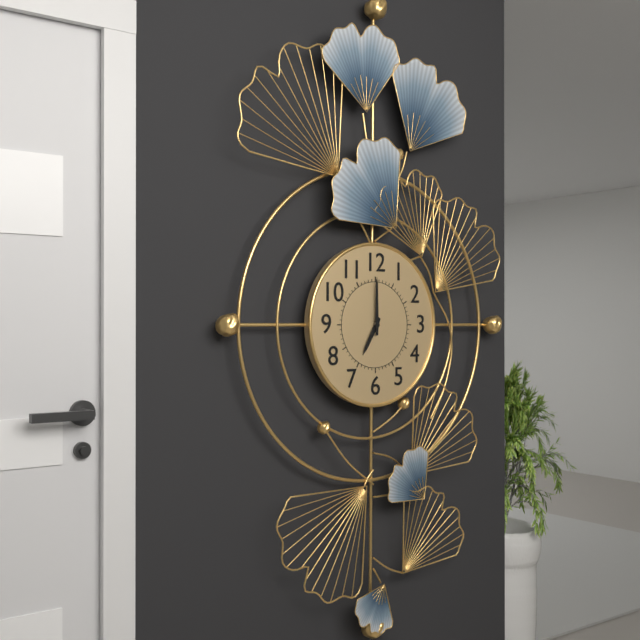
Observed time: 7:00
